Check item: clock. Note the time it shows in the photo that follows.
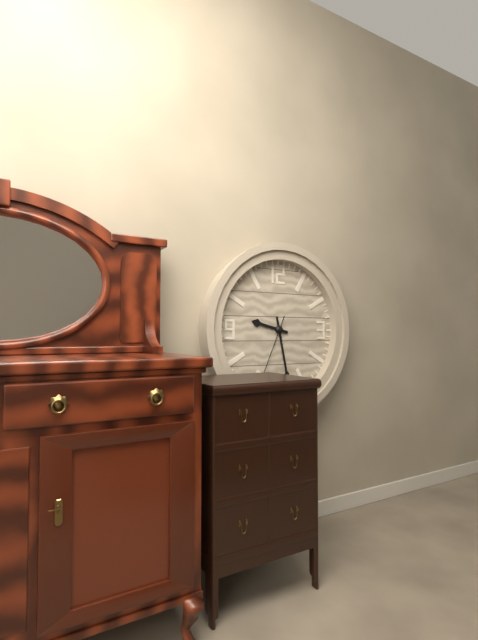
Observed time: 9:28:34
